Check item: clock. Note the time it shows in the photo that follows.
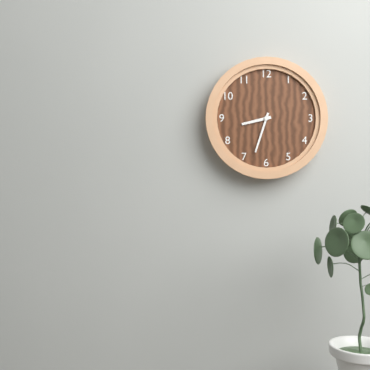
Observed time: 8:33
